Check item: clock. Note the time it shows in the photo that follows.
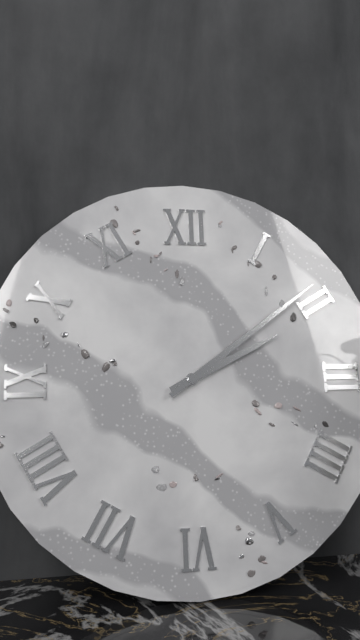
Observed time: 2:09
